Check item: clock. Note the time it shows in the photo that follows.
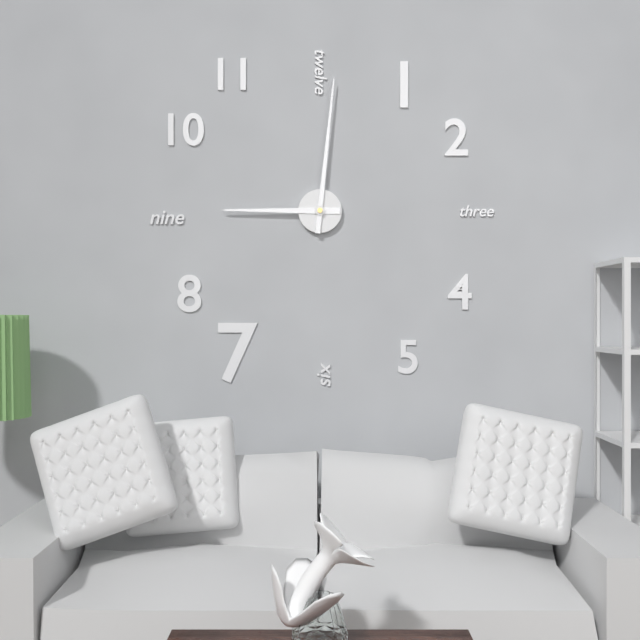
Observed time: 9:01
